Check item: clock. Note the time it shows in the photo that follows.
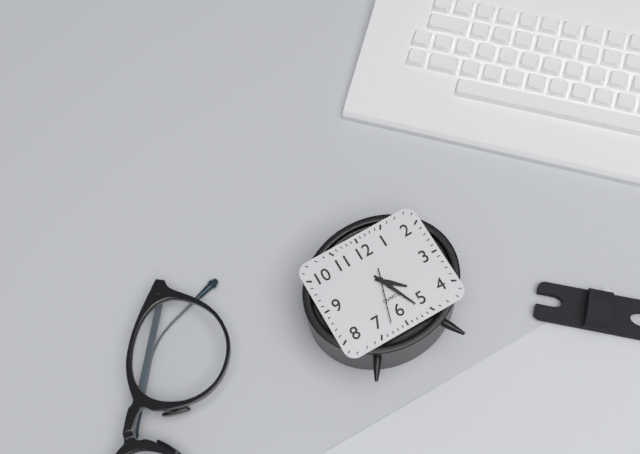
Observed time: 4:26:33
